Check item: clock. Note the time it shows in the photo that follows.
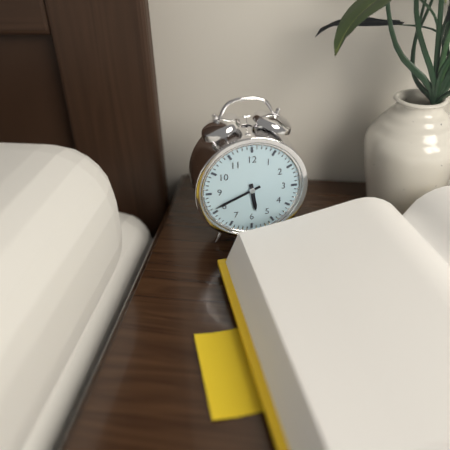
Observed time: 5:41
